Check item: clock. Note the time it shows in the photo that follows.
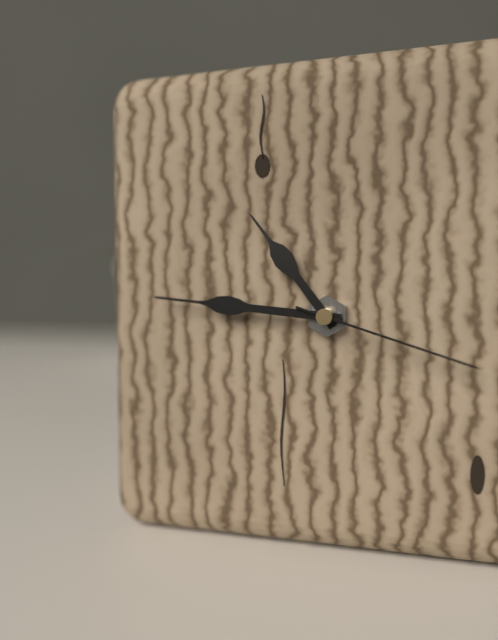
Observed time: 10:46:18
